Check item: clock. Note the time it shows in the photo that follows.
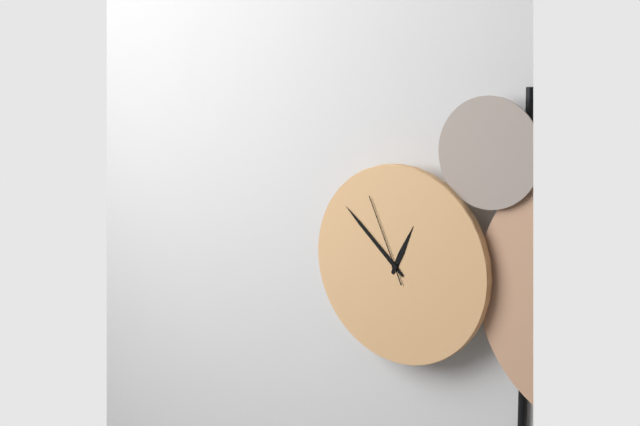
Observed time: 12:52:56
